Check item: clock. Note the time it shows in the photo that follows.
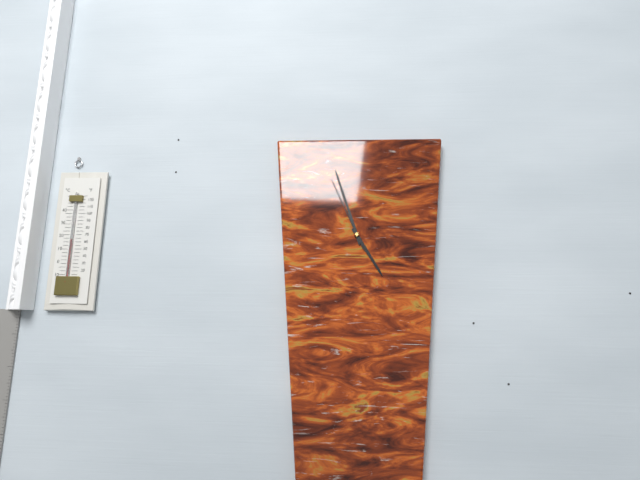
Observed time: 4:57:56
